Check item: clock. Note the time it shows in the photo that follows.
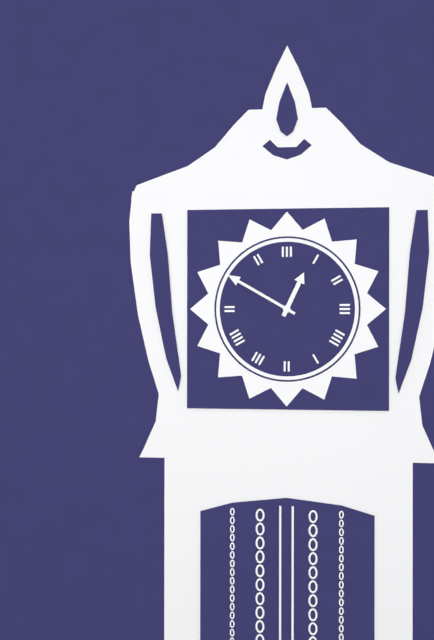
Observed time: 12:50
